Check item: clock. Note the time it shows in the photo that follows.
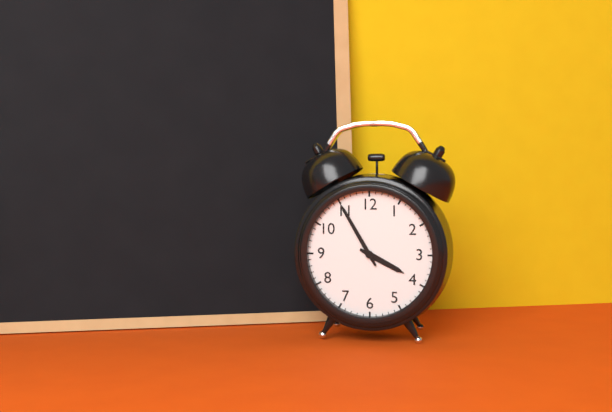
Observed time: 3:55
